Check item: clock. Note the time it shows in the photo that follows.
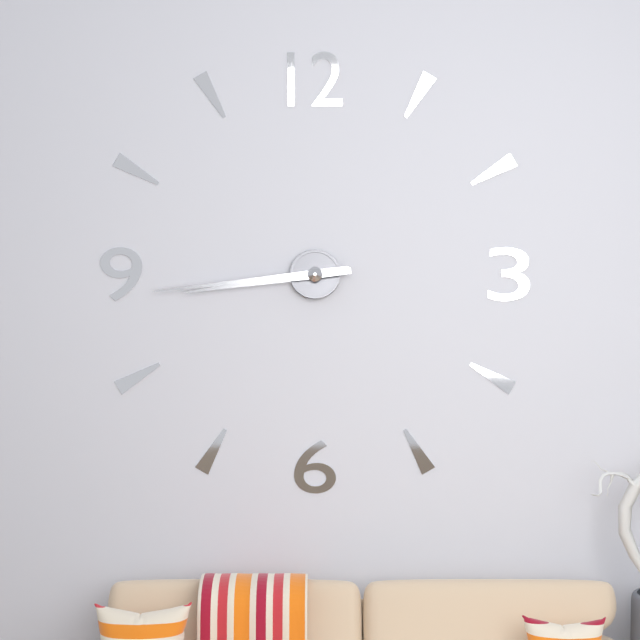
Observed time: 8:44
